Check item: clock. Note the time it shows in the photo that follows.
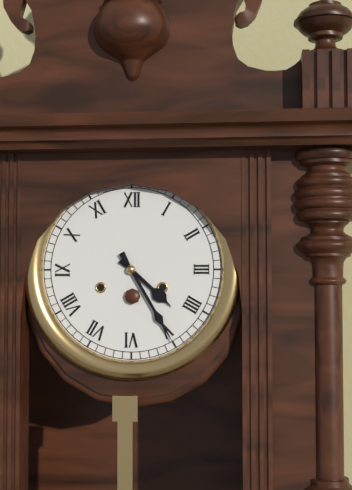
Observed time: 4:25
